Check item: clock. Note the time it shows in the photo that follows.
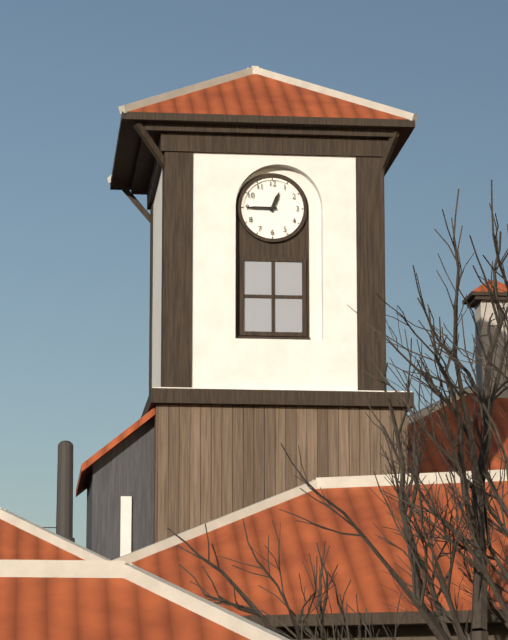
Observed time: 12:45
